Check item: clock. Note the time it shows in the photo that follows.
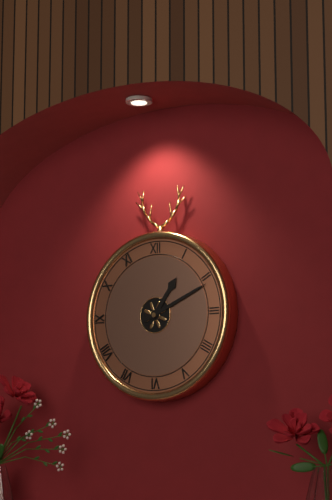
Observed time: 1:11
